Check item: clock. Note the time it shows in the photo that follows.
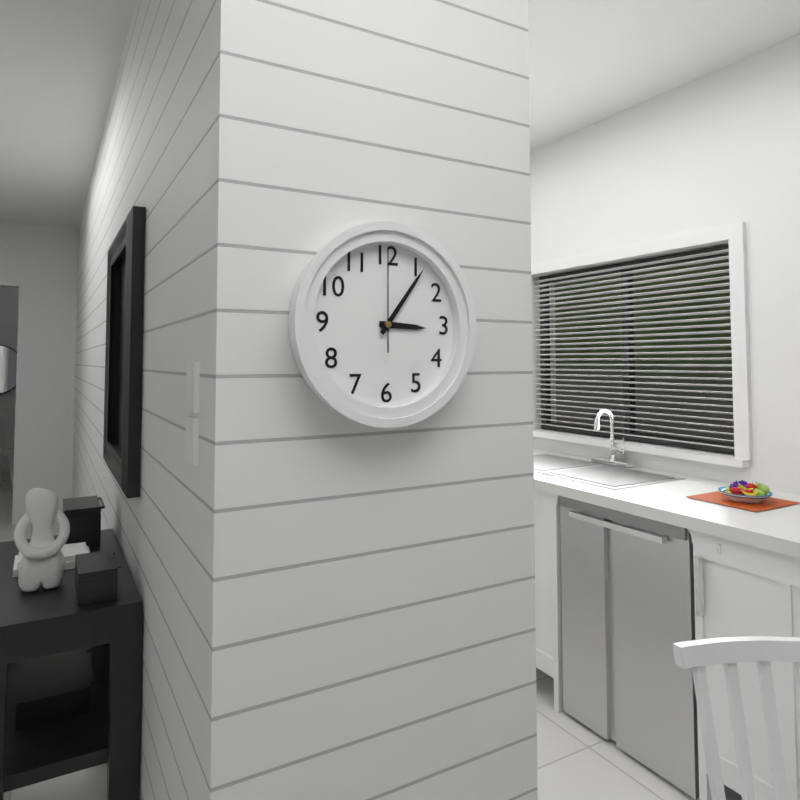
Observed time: 3:06:00
